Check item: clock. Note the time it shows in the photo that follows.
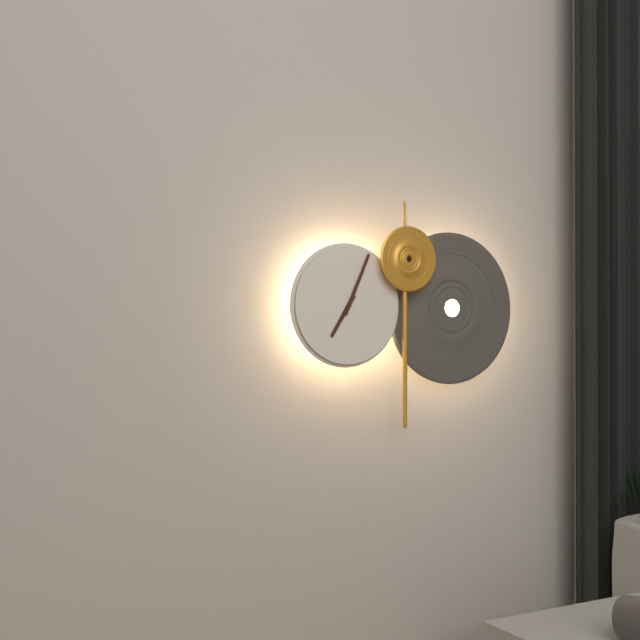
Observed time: 7:04
